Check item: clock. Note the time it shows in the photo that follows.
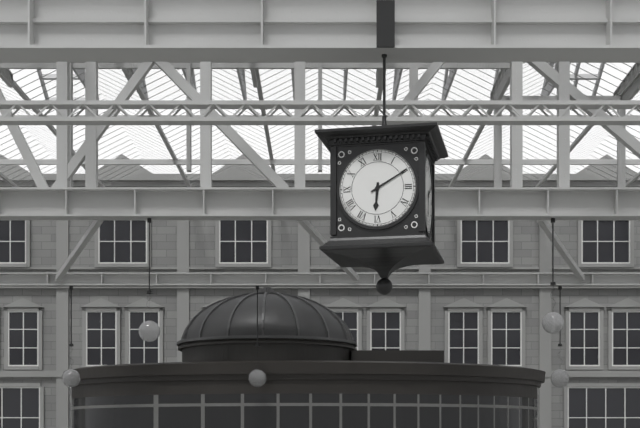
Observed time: 6:10
